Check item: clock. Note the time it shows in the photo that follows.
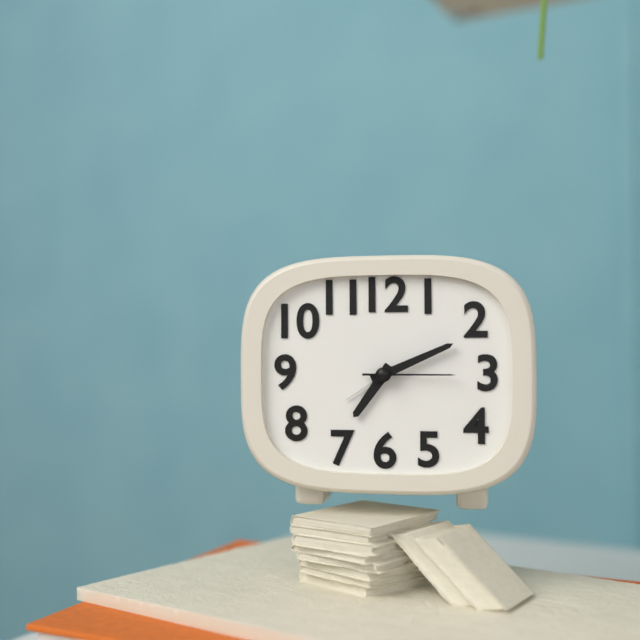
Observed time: 7:11:15
